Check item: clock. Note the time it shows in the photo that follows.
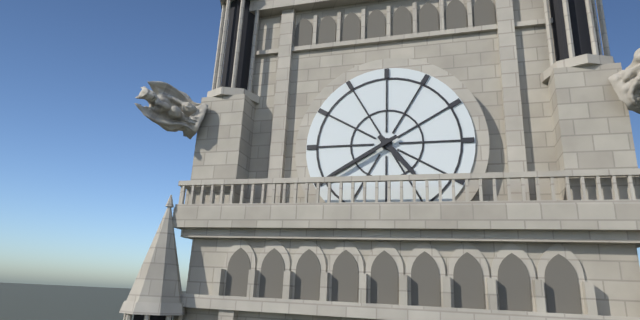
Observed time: 4:40
